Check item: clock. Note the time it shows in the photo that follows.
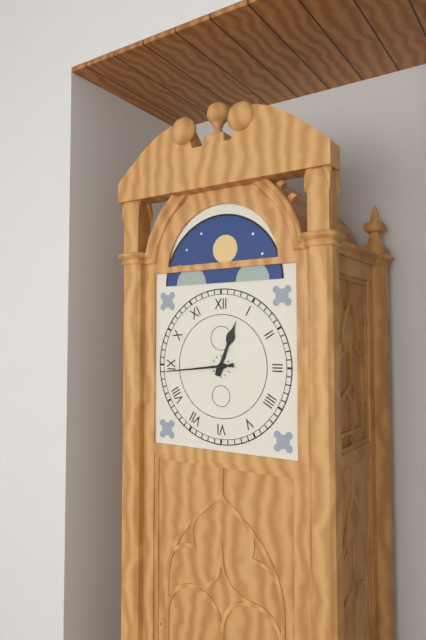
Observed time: 12:44
